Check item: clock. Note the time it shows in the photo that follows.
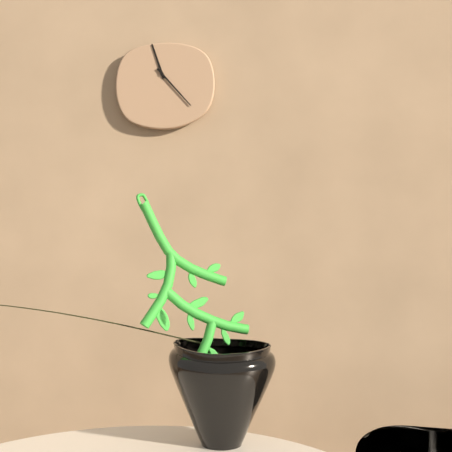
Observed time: 11:23
